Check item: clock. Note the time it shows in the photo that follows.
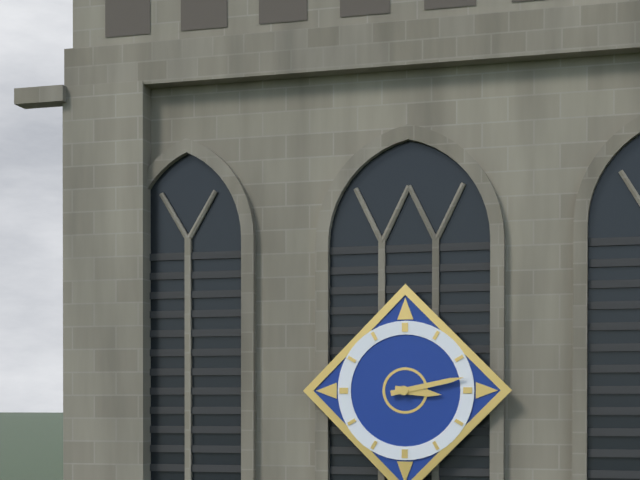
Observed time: 3:13
